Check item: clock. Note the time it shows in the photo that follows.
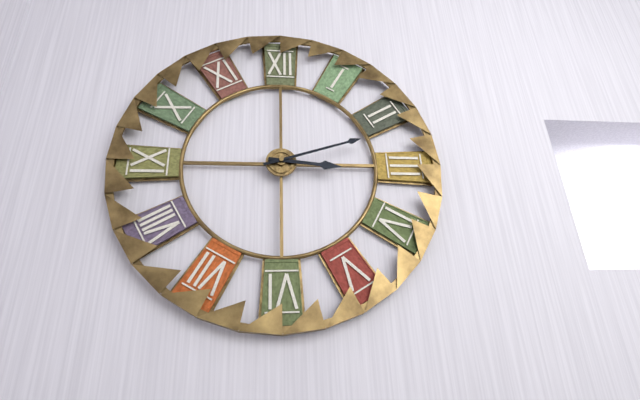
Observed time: 3:12
